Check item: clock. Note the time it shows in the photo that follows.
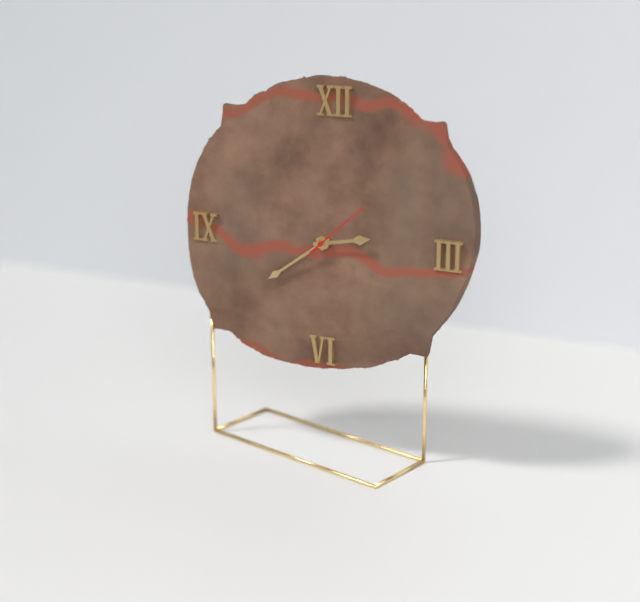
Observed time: 2:39:08
